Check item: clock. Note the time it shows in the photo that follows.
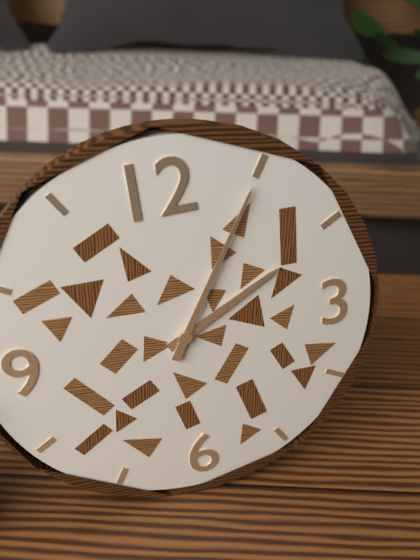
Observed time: 2:05
